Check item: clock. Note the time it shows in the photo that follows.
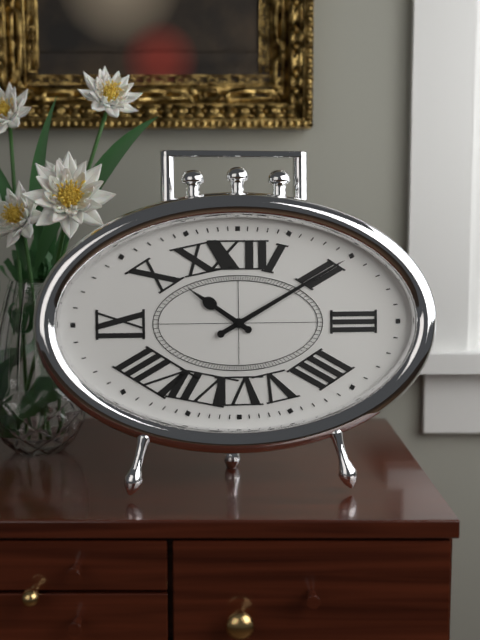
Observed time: 10:10
